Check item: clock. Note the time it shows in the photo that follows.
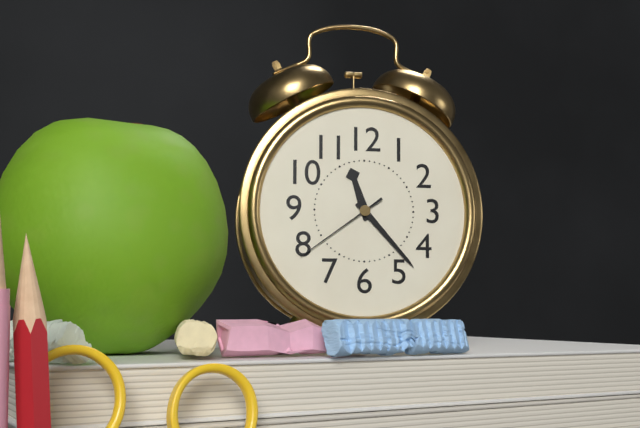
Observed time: 11:23:39
